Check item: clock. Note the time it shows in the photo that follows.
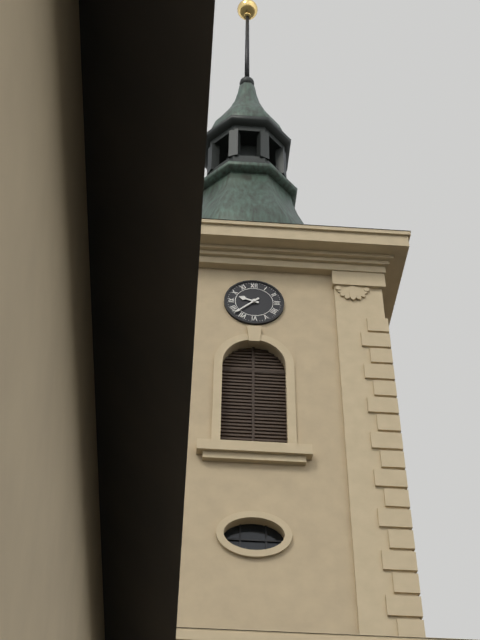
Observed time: 9:38
